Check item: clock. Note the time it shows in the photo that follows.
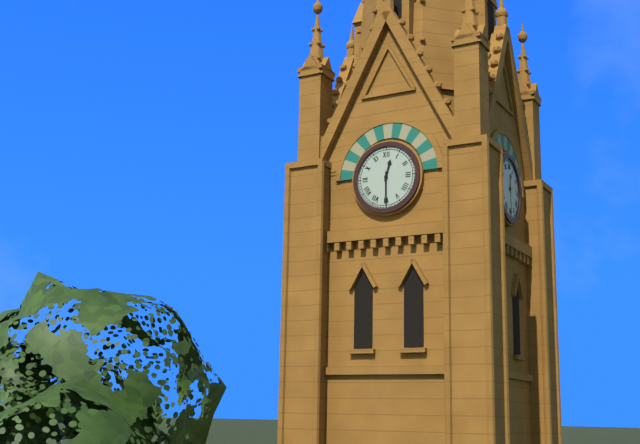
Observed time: 12:30
